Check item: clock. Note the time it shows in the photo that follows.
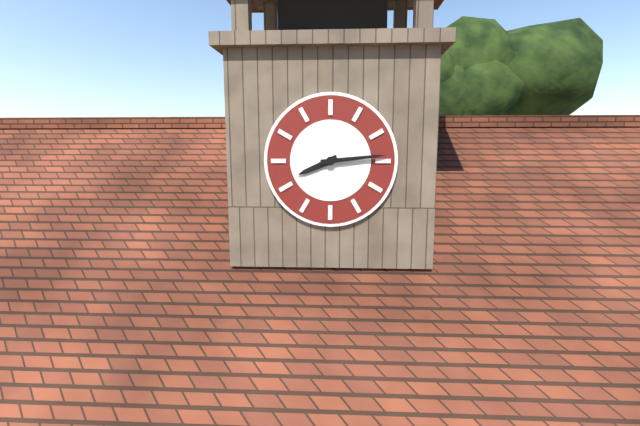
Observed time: 8:14
